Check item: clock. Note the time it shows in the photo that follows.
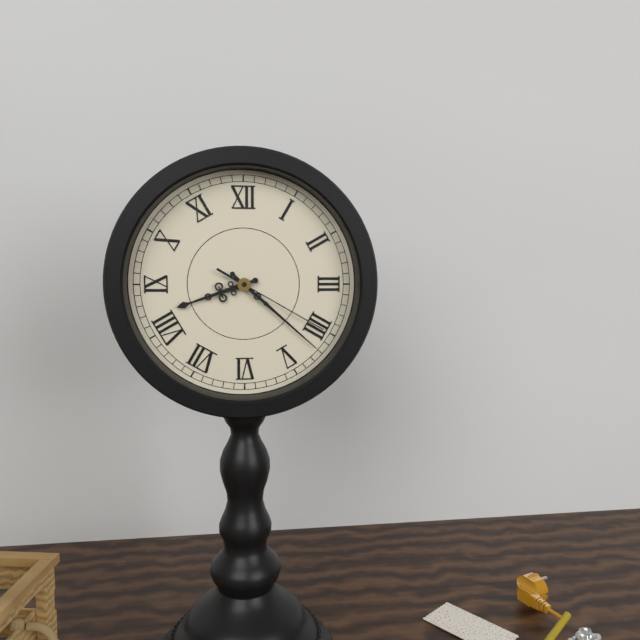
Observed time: 8:22:20
